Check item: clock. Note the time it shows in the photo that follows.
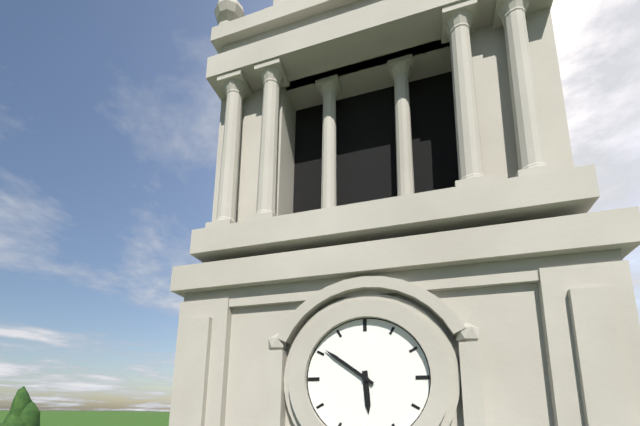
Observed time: 5:51
